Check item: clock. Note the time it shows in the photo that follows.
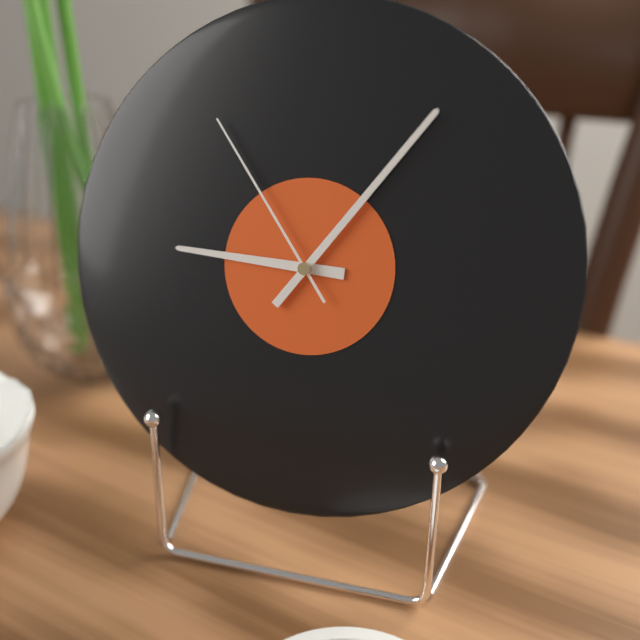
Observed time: 9:06:54
